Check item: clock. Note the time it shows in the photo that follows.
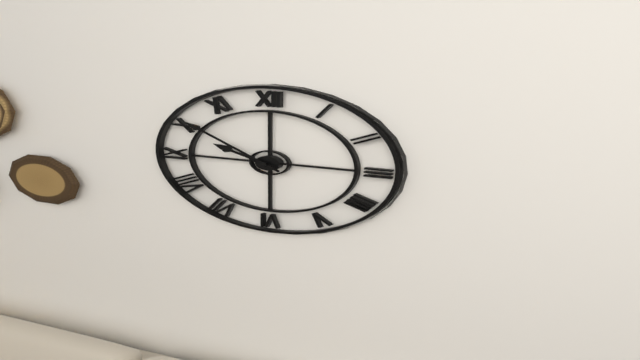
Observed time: 9:51
